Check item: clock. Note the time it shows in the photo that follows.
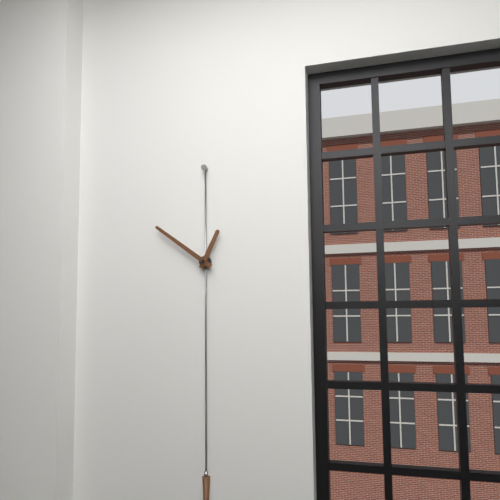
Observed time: 12:51
